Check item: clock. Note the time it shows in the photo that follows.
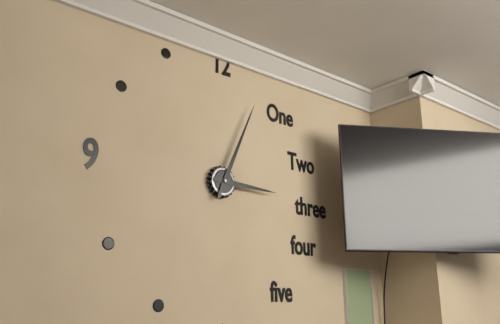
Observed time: 3:04
